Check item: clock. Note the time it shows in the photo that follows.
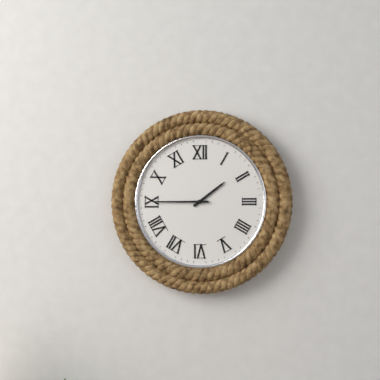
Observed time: 1:45
